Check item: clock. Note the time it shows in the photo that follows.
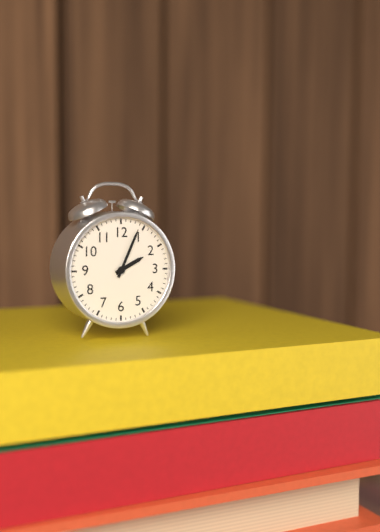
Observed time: 2:04
